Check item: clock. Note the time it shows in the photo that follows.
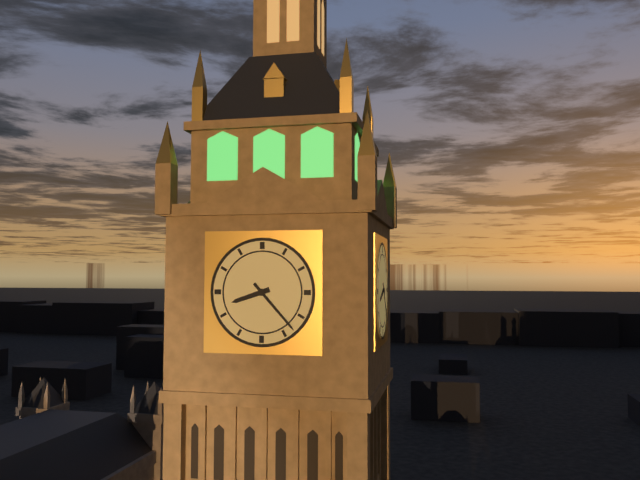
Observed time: 8:23
